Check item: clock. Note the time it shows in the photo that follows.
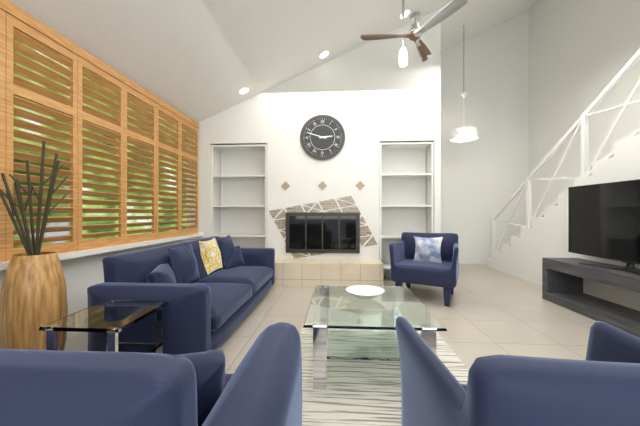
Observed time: 2:48
